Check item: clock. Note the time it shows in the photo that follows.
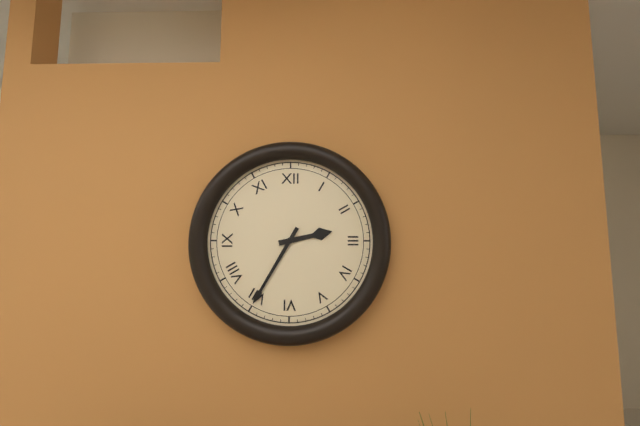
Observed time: 2:35
